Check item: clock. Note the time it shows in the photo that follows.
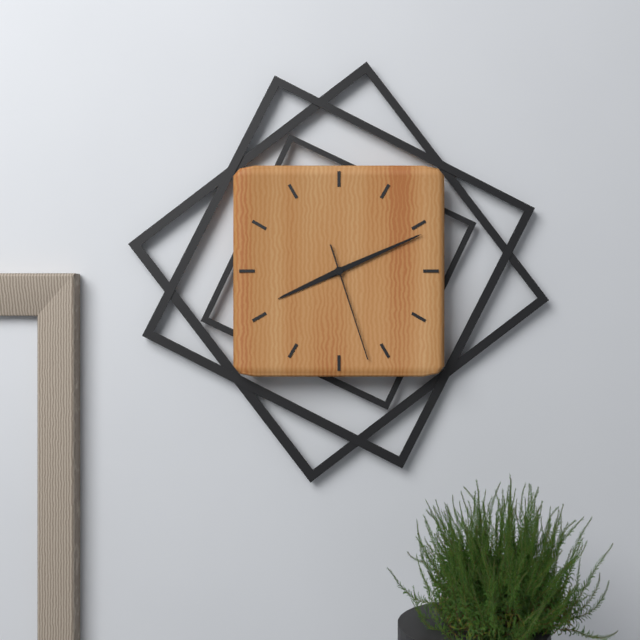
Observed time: 8:11:27
